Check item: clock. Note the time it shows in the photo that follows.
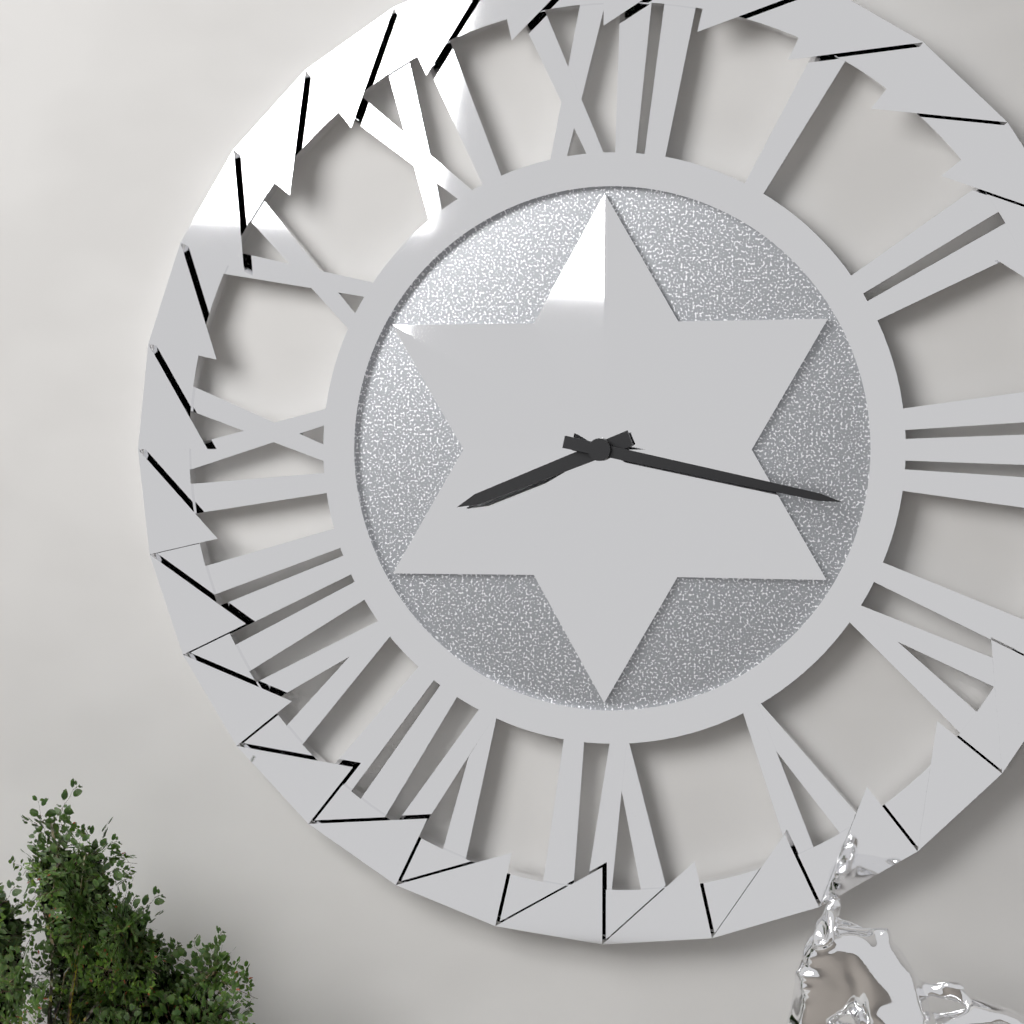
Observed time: 8:17
